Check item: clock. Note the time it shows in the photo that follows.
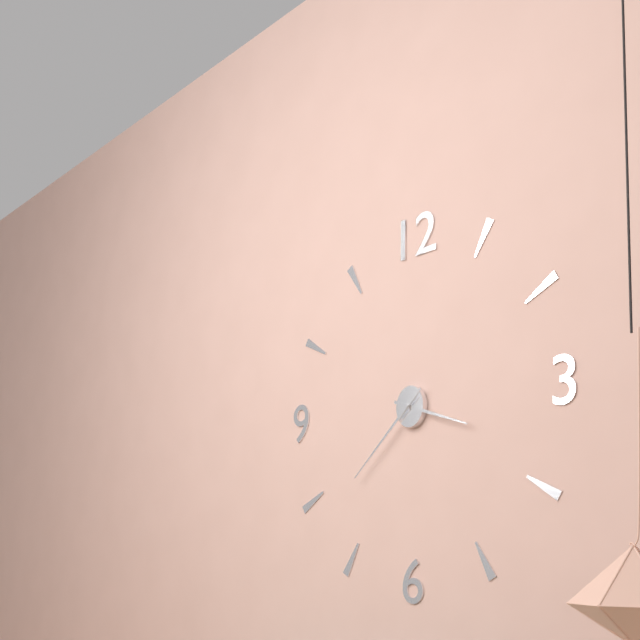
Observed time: 3:38
